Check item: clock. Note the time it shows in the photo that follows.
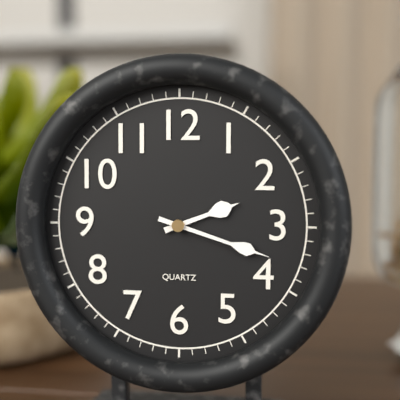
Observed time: 2:18
